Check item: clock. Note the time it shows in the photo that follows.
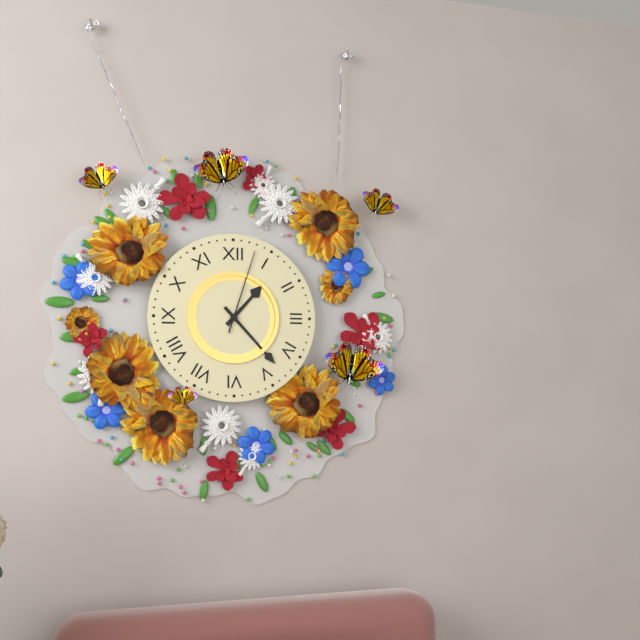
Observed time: 1:23:03
